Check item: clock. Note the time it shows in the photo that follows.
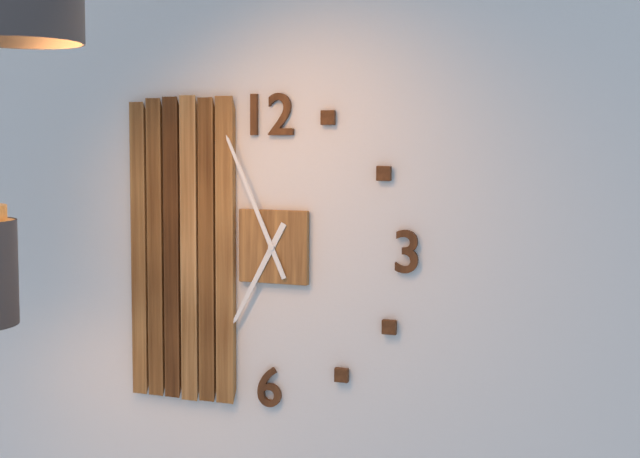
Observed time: 6:56
